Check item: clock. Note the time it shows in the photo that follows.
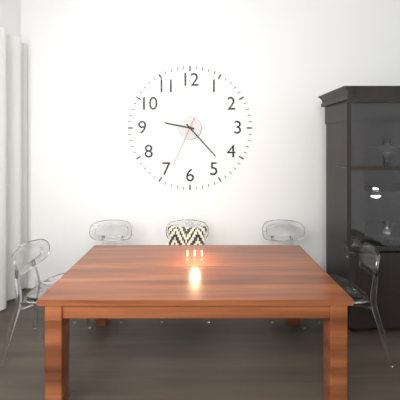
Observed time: 9:23:34
